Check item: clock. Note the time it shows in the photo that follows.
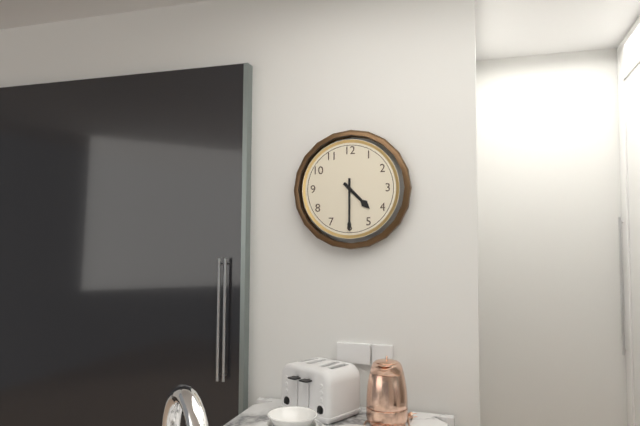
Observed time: 4:30
